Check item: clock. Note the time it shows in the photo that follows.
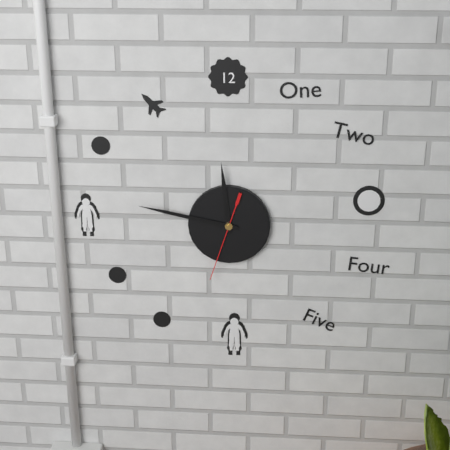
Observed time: 11:47:33
